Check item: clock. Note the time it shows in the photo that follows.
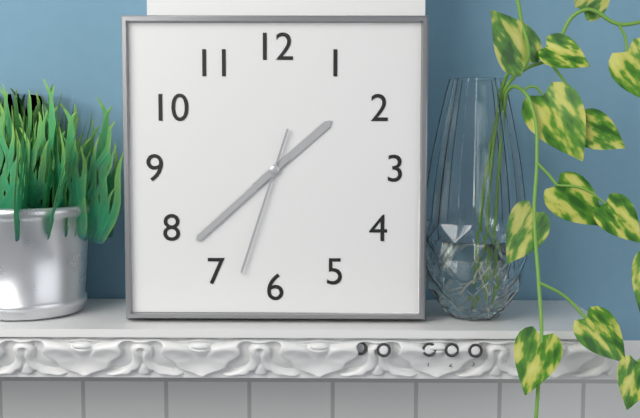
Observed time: 1:38:33
